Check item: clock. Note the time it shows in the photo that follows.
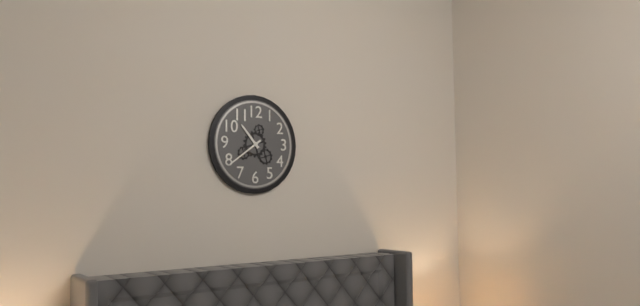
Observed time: 10:39
